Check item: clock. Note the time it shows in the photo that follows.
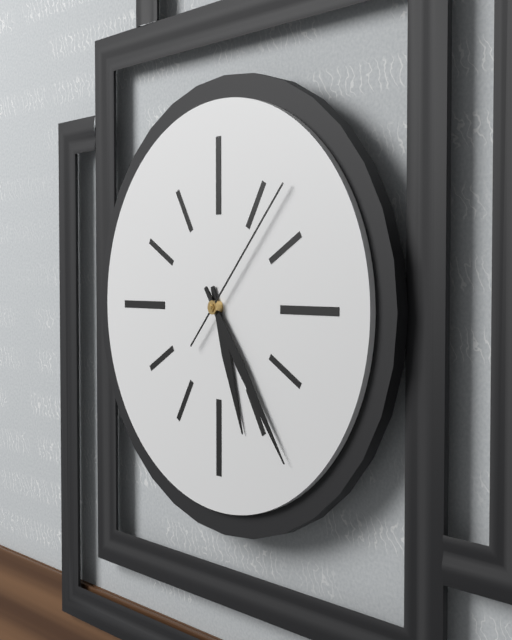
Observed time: 5:24:07
